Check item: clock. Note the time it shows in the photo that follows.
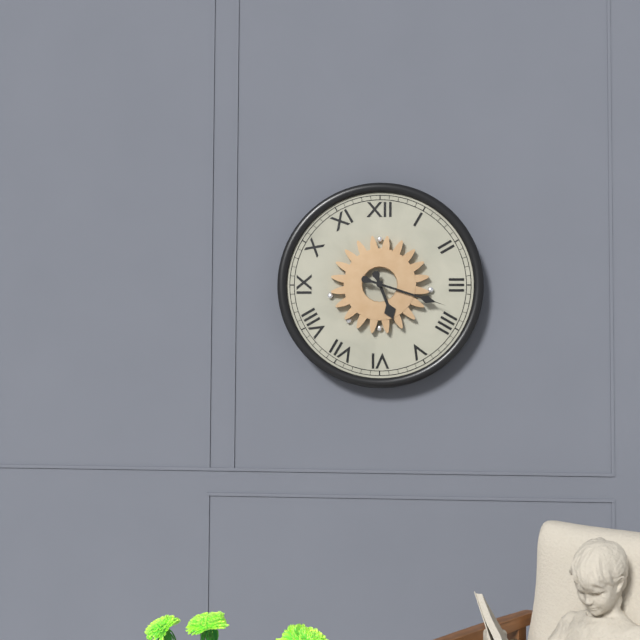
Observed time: 5:18
